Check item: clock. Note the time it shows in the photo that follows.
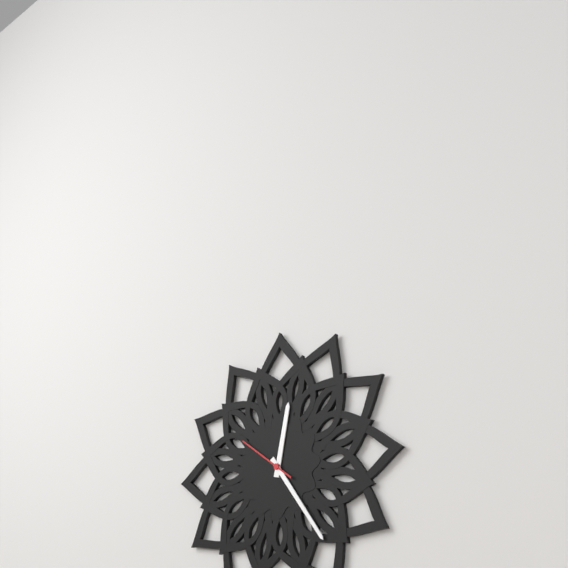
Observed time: 12:24:51
